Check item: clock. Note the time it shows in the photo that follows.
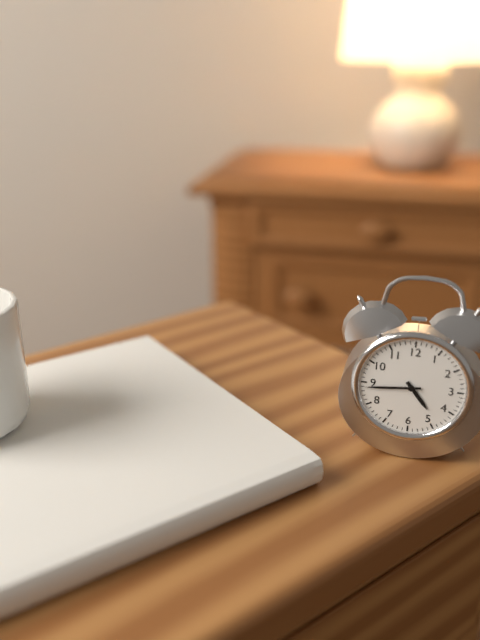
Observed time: 4:44
